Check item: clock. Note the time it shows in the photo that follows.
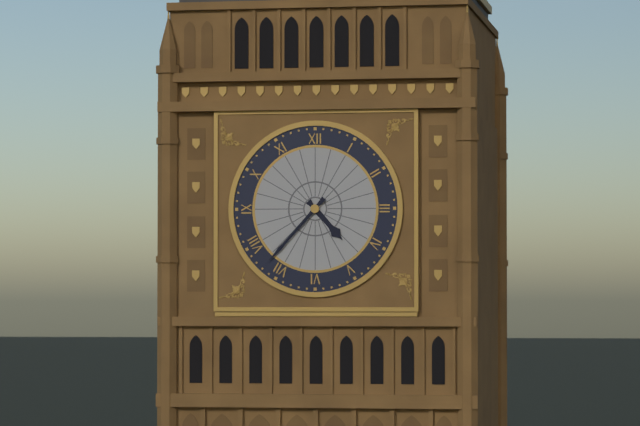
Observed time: 4:37
